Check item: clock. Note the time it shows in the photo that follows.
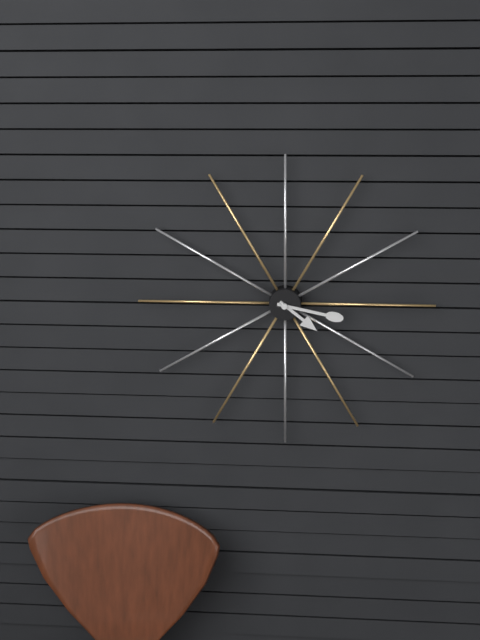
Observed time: 4:17
